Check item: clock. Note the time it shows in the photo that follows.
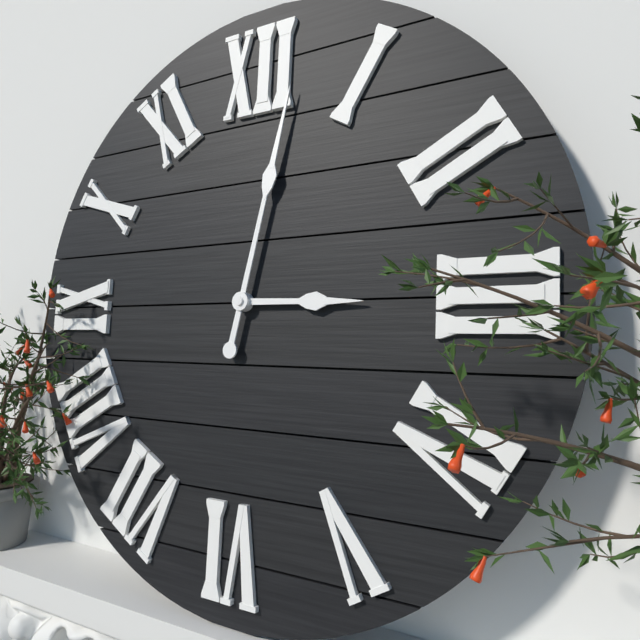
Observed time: 3:02
